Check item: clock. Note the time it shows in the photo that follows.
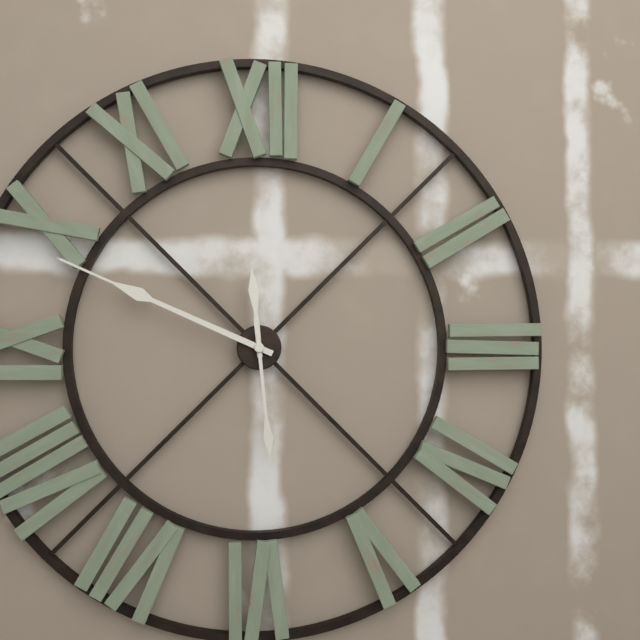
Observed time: 11:49:29
